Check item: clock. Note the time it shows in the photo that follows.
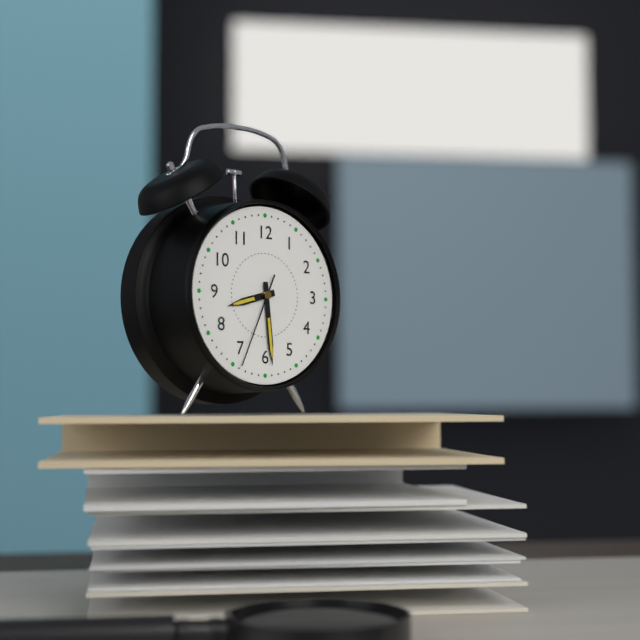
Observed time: 8:29:34
